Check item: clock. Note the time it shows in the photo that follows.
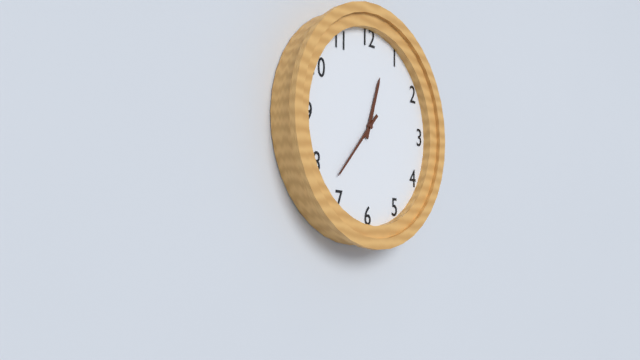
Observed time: 12:37
